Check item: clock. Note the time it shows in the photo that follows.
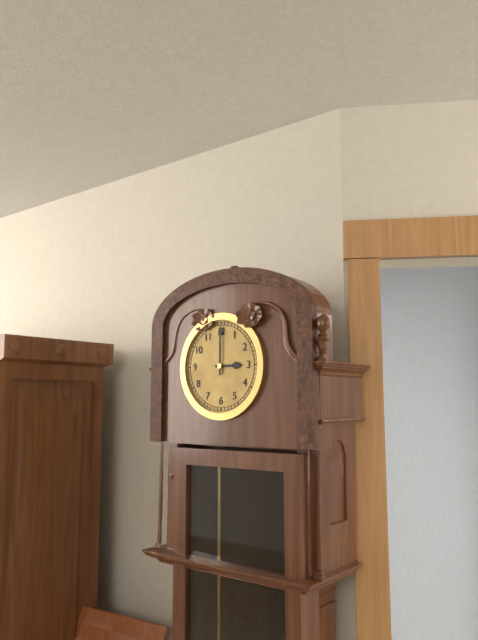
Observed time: 3:00
